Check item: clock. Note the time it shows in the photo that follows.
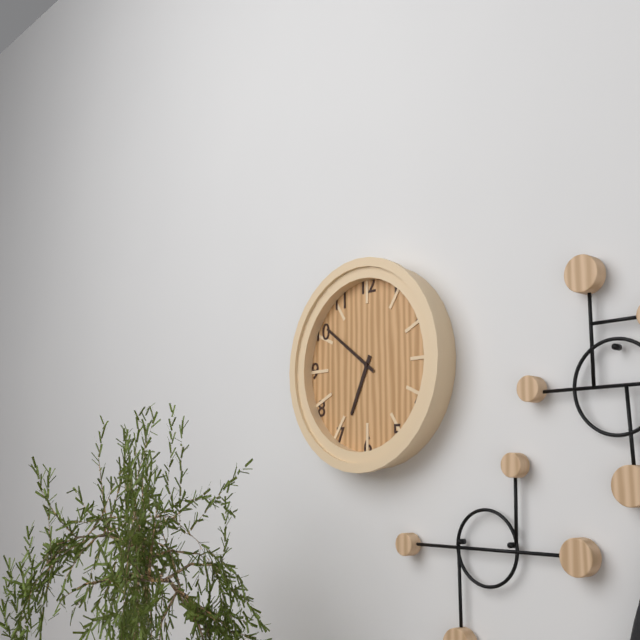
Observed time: 6:51
